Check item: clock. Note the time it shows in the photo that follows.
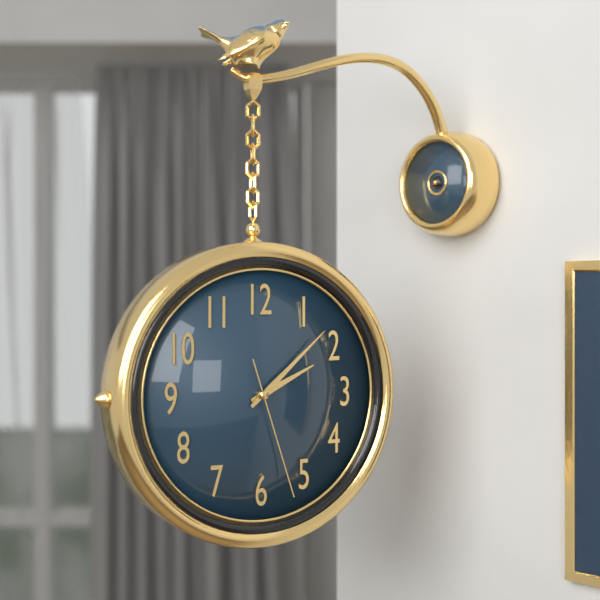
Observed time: 2:08:27
